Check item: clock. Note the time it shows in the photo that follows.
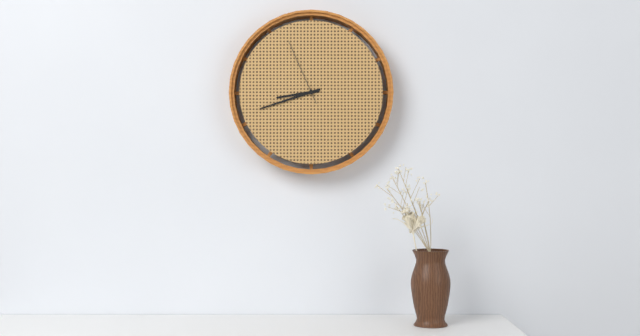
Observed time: 8:42:56
